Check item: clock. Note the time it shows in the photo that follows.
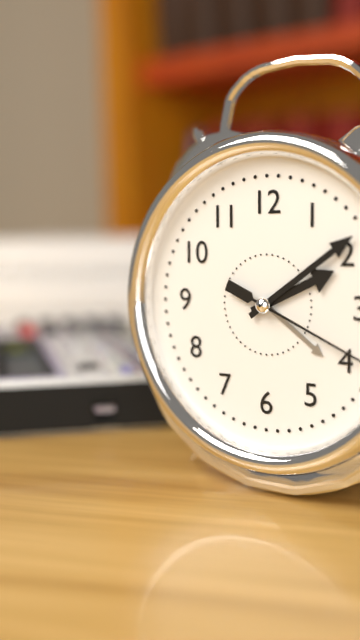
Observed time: 2:09
